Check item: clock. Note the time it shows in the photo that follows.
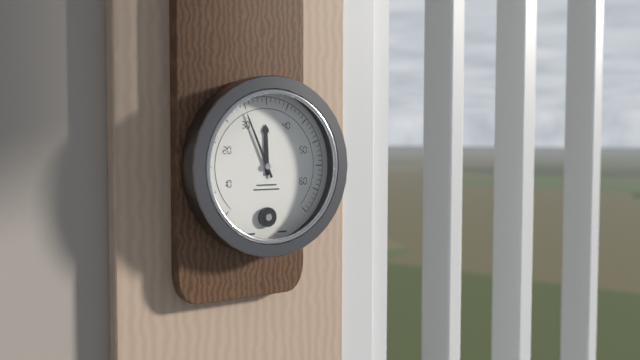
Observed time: 11:56
